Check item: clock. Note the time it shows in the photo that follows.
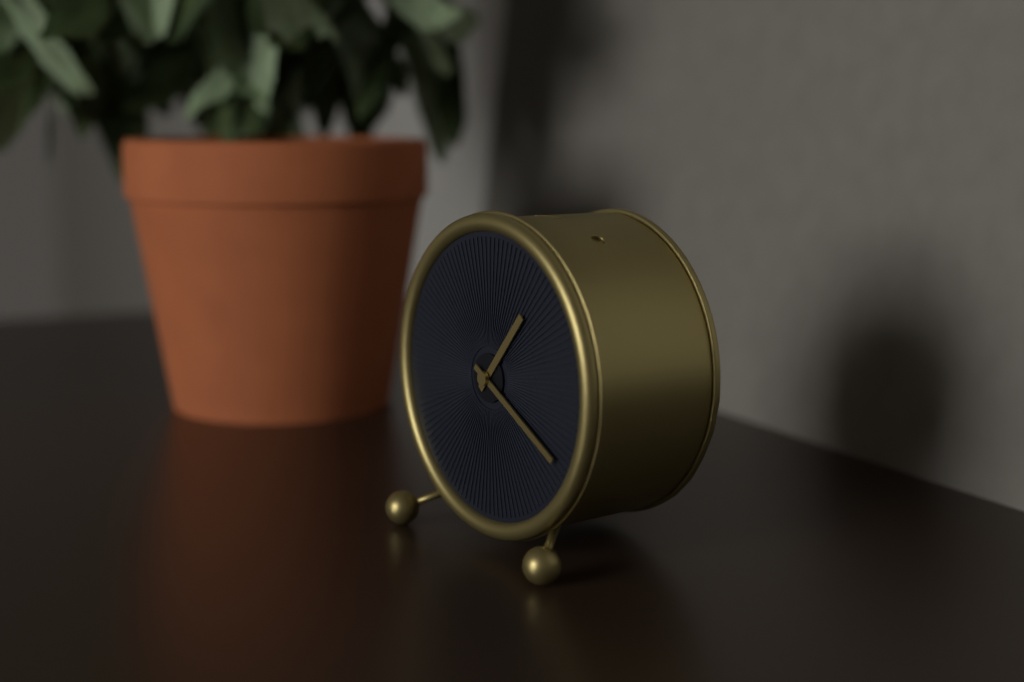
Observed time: 1:20
